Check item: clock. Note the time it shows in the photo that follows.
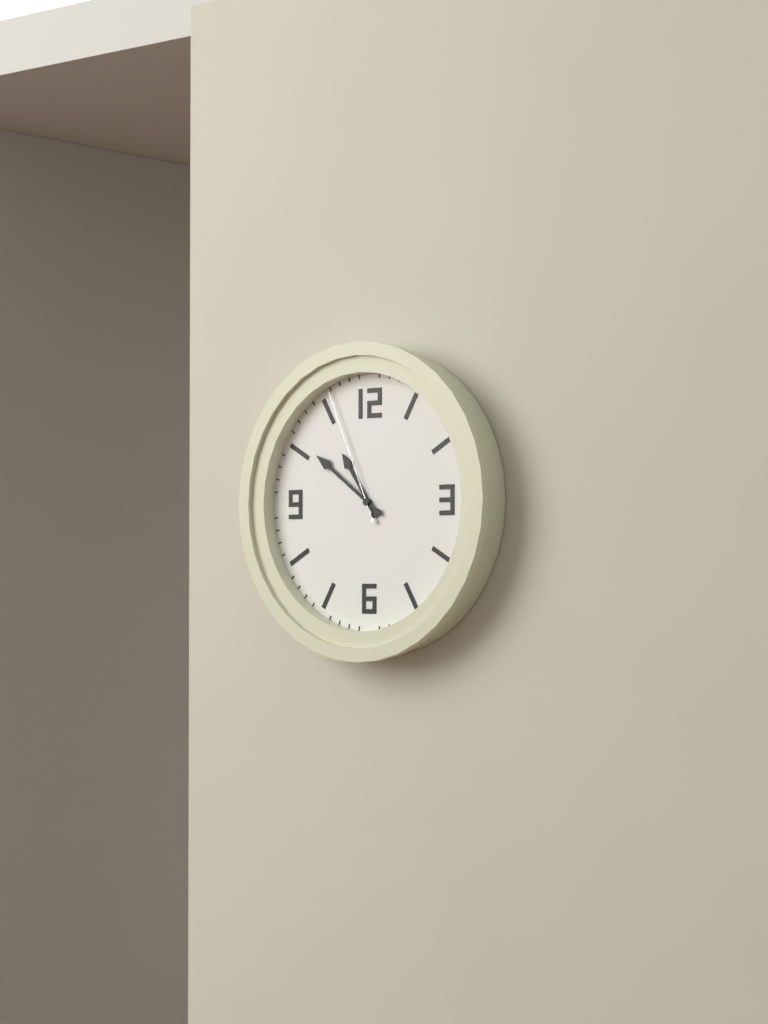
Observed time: 10:51:56
